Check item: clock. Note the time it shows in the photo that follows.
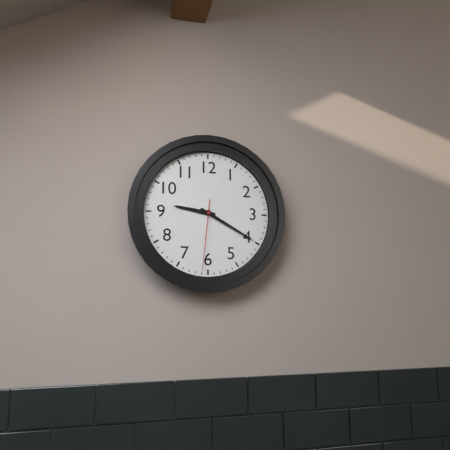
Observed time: 9:20:31
